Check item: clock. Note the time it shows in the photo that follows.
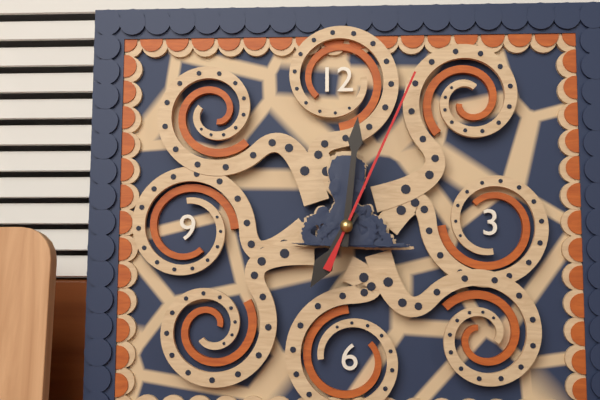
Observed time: 7:01:04
